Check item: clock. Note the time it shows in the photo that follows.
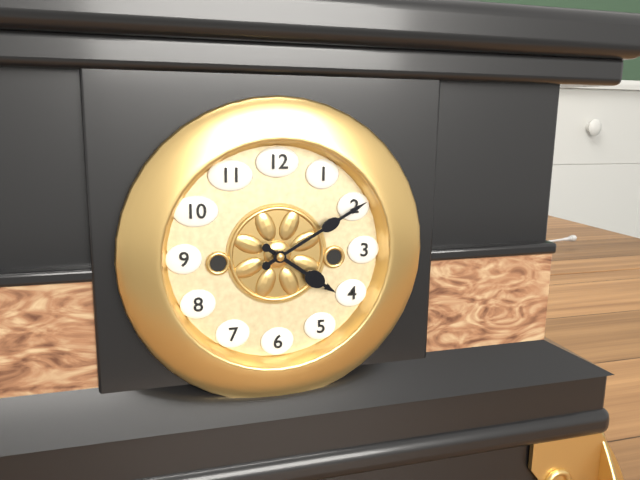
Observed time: 4:10
